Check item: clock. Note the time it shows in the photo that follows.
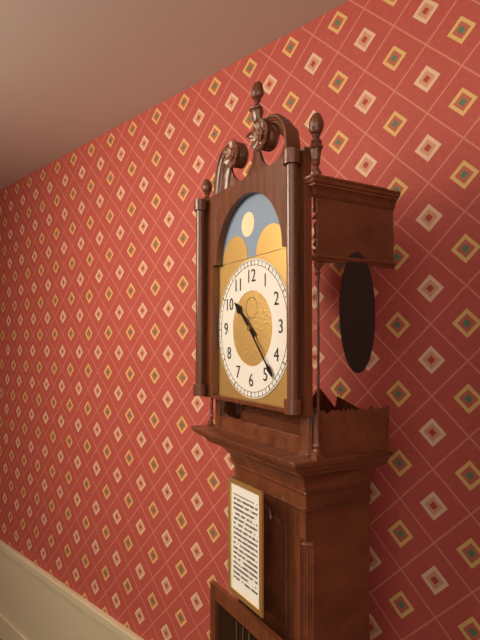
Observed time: 10:23
